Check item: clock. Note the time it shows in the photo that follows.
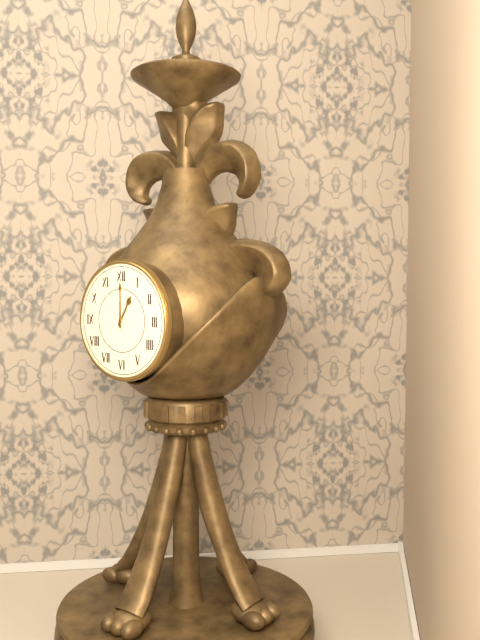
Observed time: 1:00
